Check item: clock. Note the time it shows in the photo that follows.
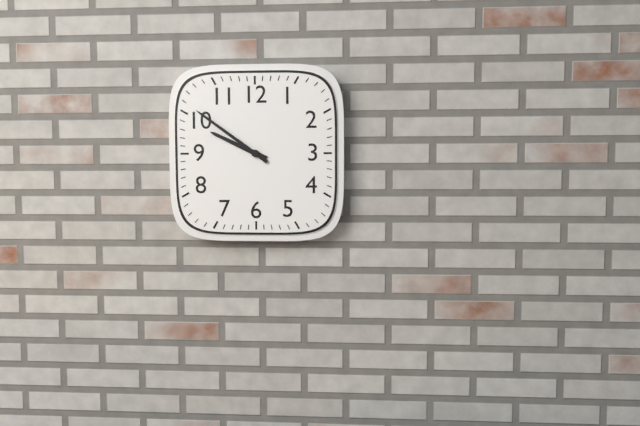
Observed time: 9:51
